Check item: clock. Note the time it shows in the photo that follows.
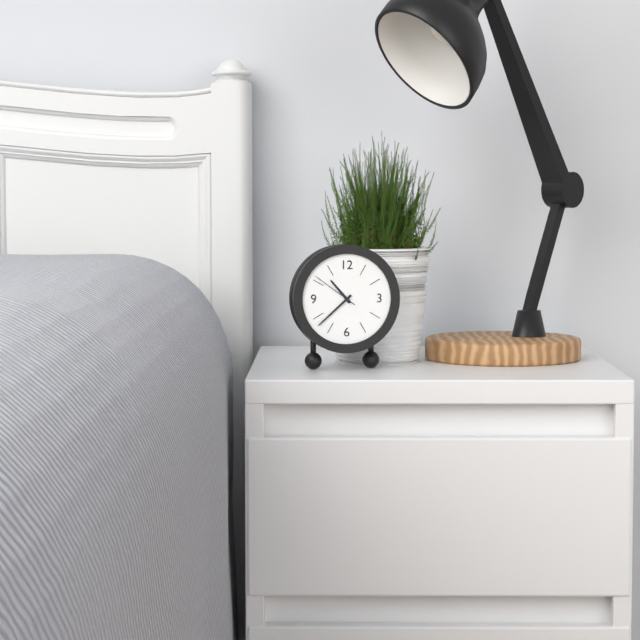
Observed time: 10:38:51
